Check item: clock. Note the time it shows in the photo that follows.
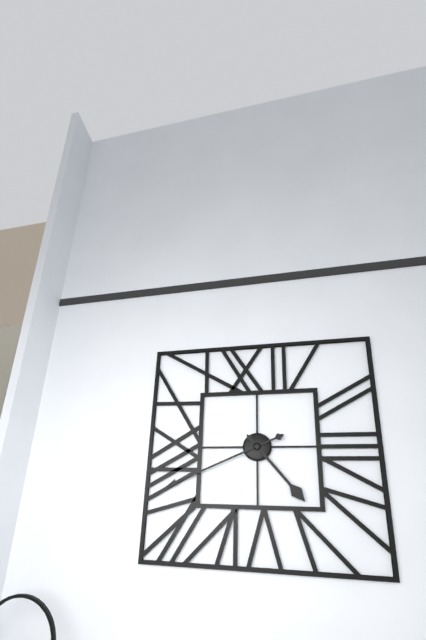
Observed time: 4:41
